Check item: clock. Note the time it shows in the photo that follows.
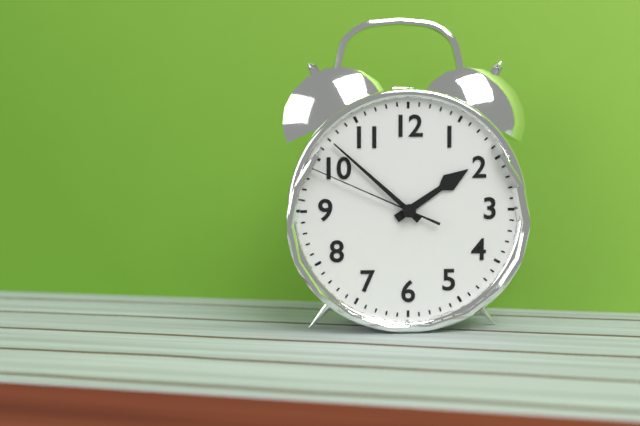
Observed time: 1:52:49
